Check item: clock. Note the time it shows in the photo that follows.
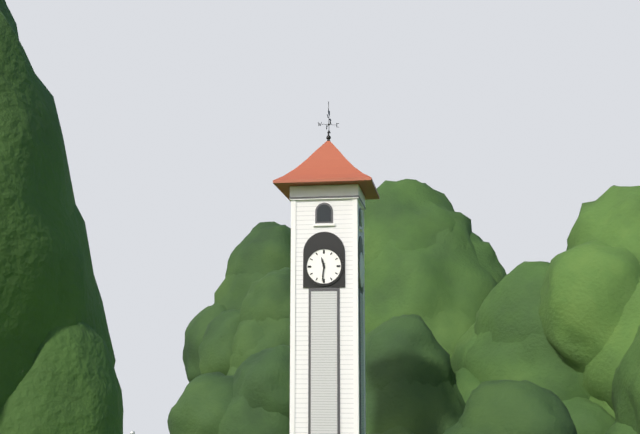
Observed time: 11:31
